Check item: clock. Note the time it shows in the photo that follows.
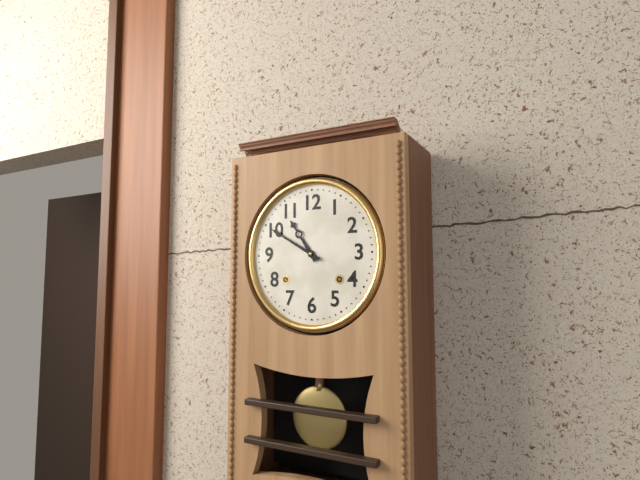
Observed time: 10:50
